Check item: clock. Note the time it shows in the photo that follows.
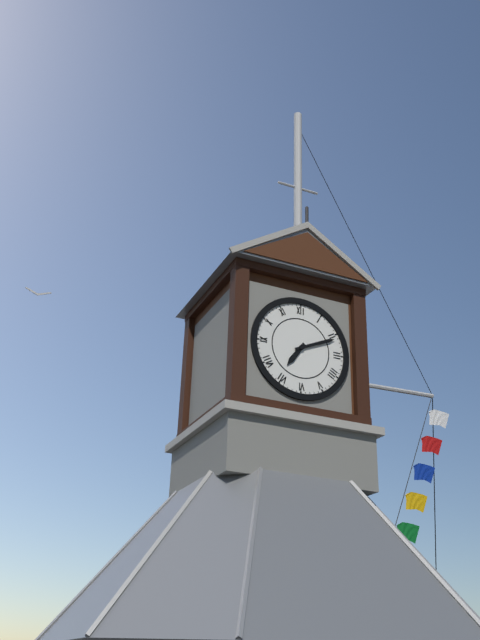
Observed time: 7:11
